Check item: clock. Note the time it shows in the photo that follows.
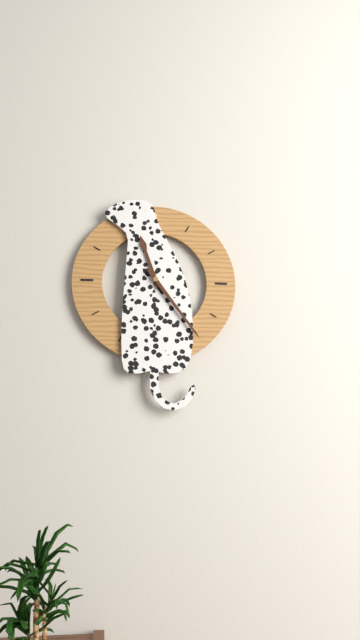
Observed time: 11:24
